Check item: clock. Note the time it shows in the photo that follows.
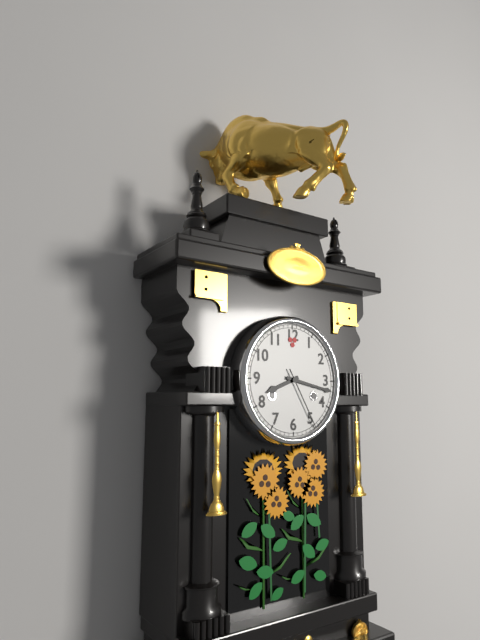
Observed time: 8:17:25
